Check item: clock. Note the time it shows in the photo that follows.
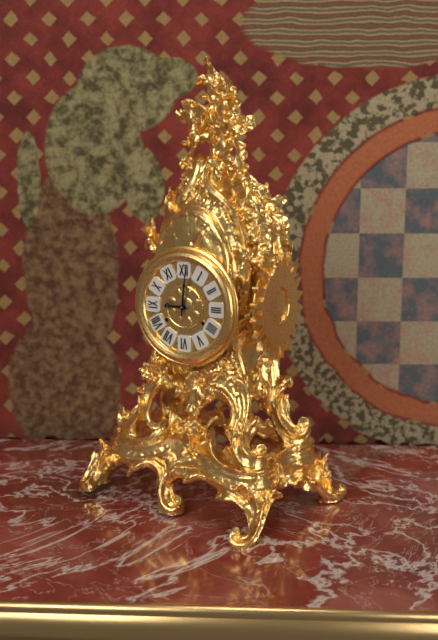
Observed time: 9:01
